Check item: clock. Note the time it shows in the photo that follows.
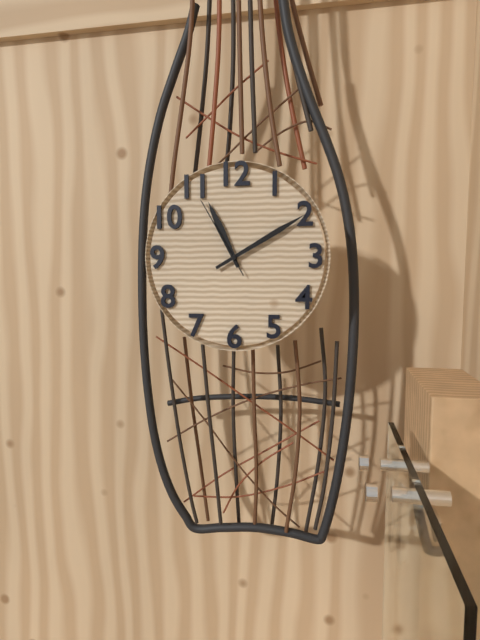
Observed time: 11:10:55
